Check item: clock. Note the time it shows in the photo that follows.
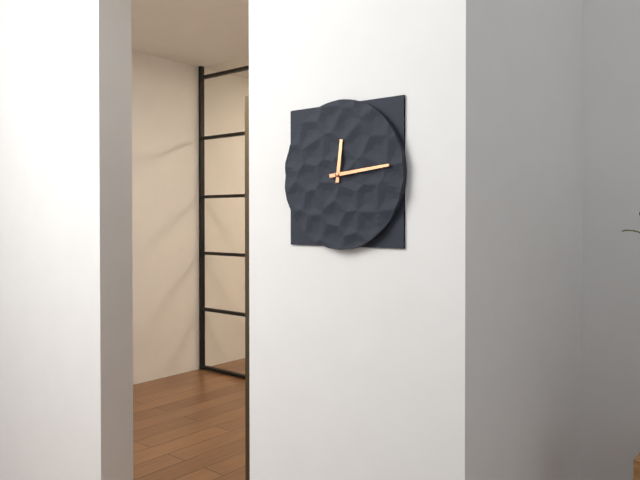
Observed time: 12:14
